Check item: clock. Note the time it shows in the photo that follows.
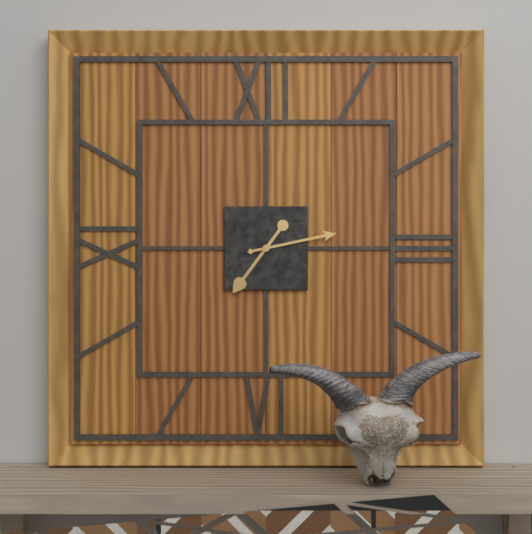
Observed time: 7:13
